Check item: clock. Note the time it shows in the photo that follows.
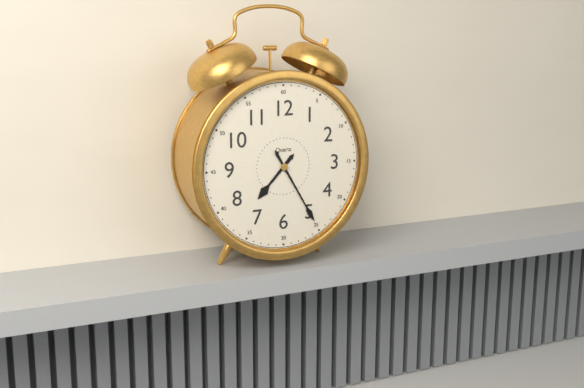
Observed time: 7:25
